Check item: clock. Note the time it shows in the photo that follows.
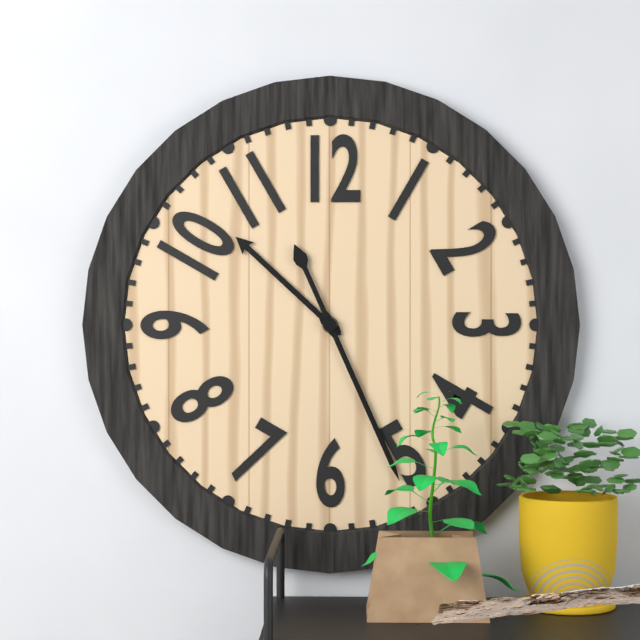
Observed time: 10:26
